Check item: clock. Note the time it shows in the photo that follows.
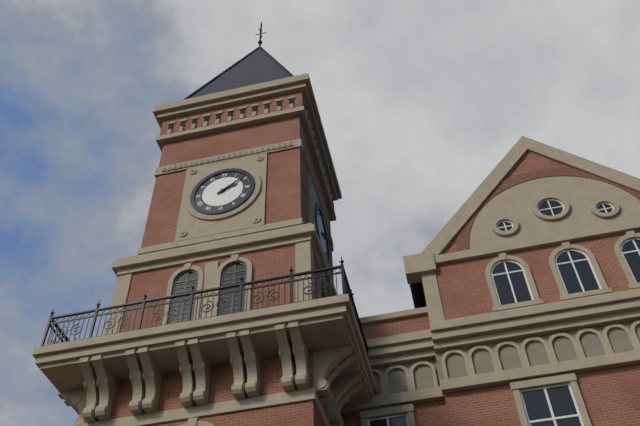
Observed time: 2:09
